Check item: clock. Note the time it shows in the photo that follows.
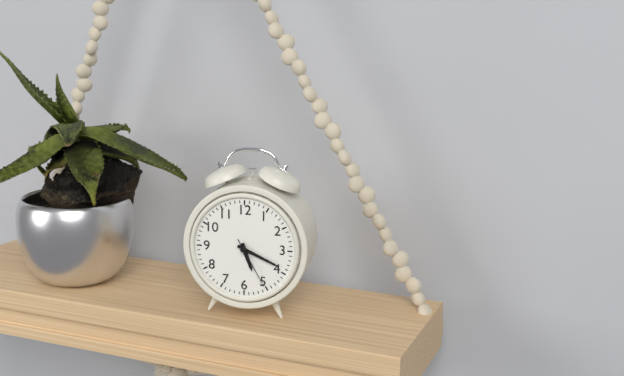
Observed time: 5:19:25
